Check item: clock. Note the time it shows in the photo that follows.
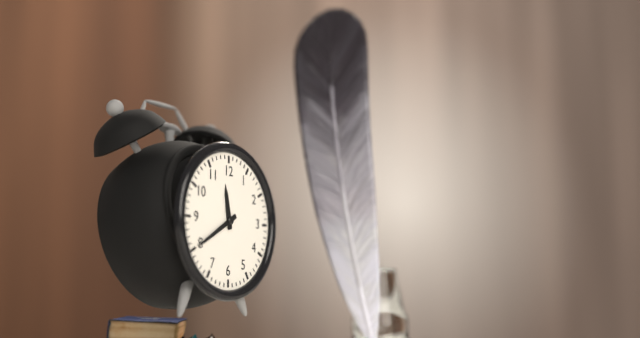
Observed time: 11:40
